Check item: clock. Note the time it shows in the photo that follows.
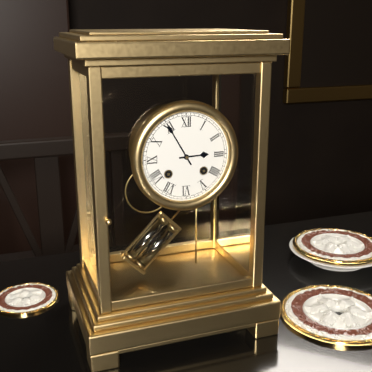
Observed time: 2:55
